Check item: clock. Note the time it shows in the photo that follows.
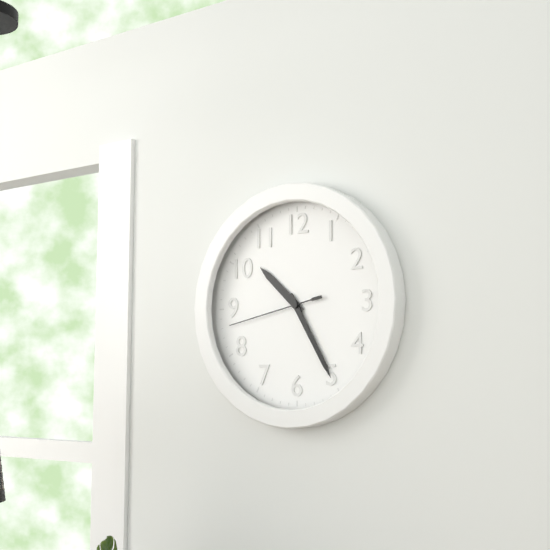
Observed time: 10:25:43
